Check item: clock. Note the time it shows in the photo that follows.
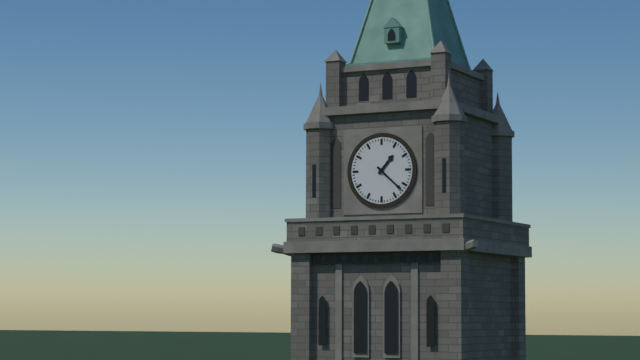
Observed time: 1:22
